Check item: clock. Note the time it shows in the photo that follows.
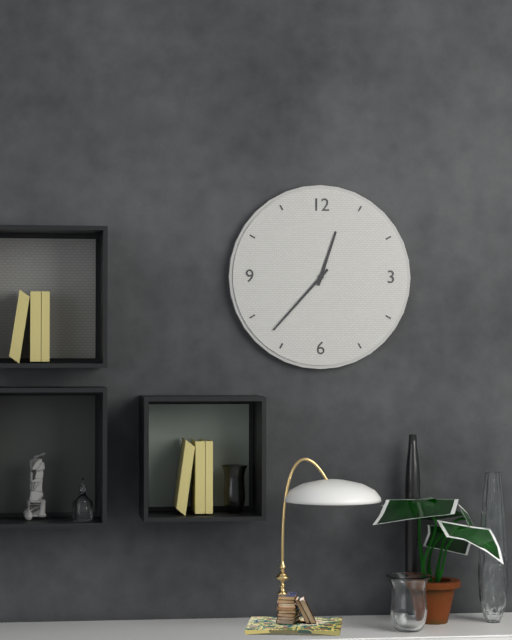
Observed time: 12:37
